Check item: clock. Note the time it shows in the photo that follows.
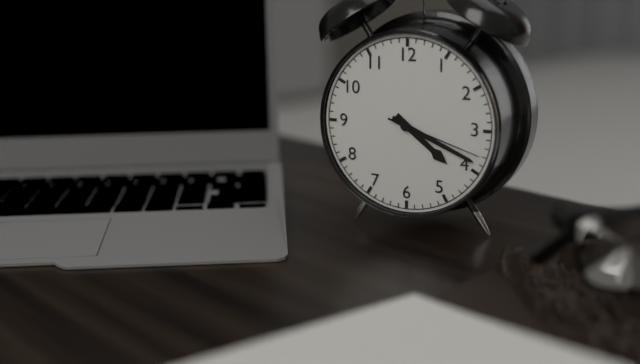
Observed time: 4:19:18
